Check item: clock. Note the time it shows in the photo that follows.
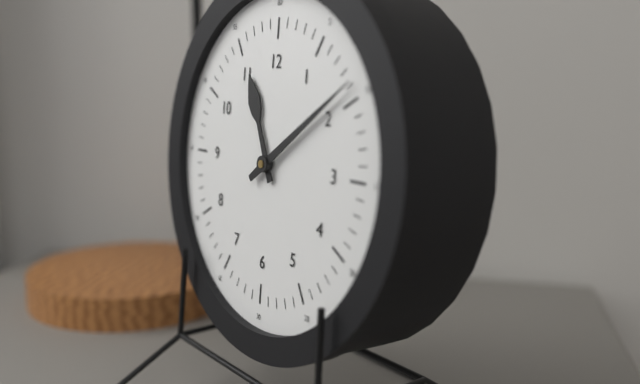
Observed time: 11:09
